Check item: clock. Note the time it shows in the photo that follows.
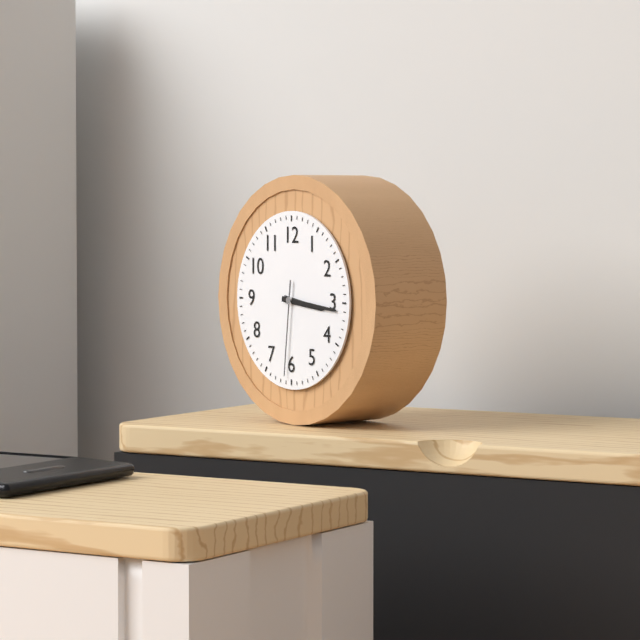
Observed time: 3:16:31
